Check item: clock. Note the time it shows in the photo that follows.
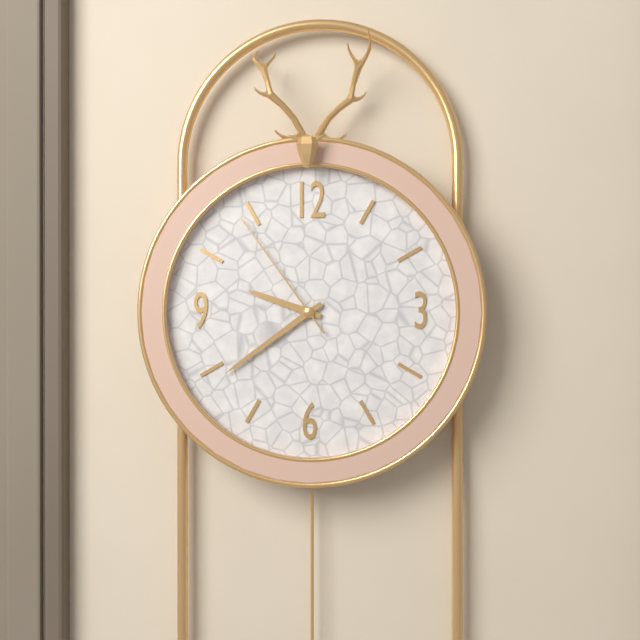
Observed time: 9:39:54
